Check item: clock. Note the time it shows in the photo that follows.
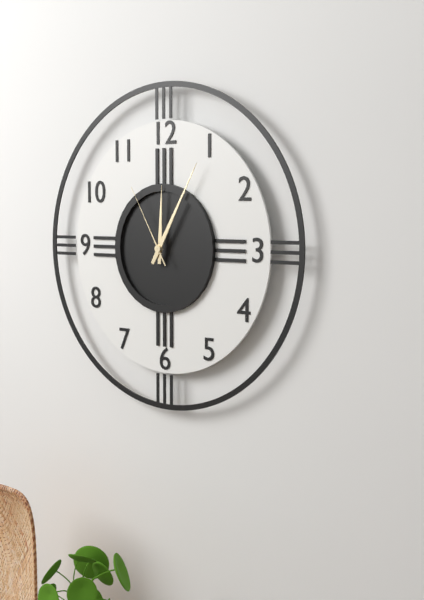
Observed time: 12:05:55
